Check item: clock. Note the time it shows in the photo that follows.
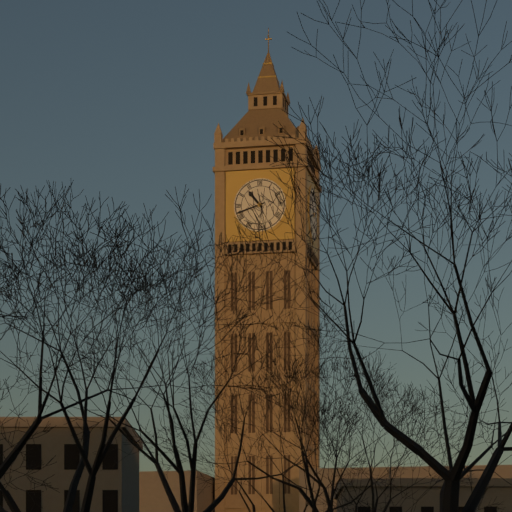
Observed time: 10:42
